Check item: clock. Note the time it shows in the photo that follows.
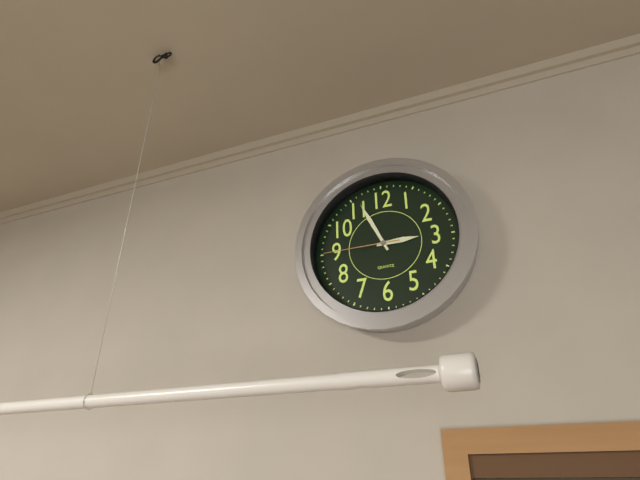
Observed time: 2:56:45
